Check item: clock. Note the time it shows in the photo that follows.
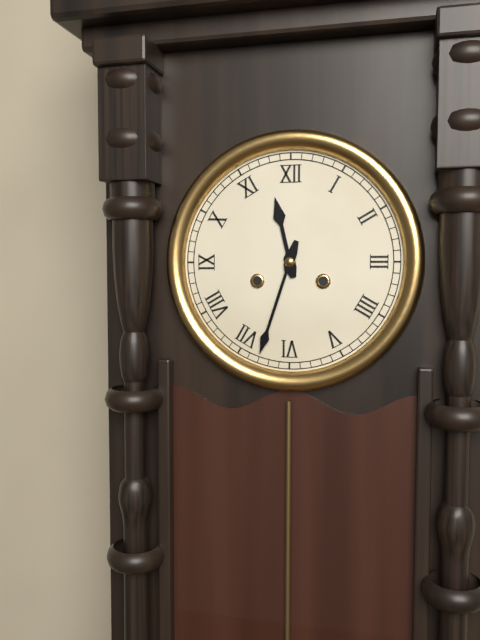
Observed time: 11:33
